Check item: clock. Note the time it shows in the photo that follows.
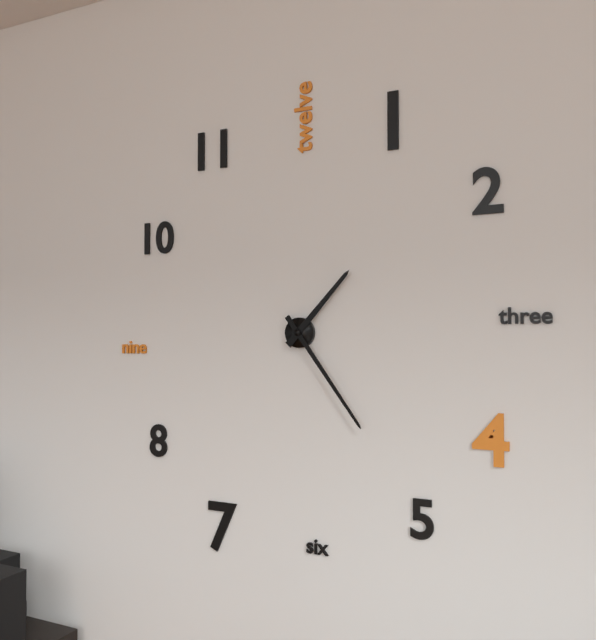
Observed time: 1:24
